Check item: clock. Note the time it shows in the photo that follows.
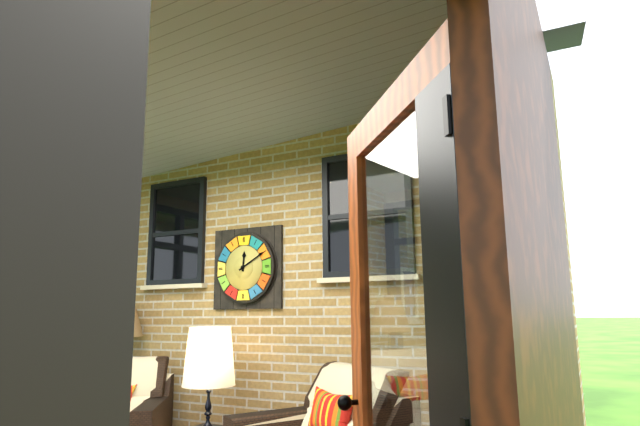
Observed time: 12:10
